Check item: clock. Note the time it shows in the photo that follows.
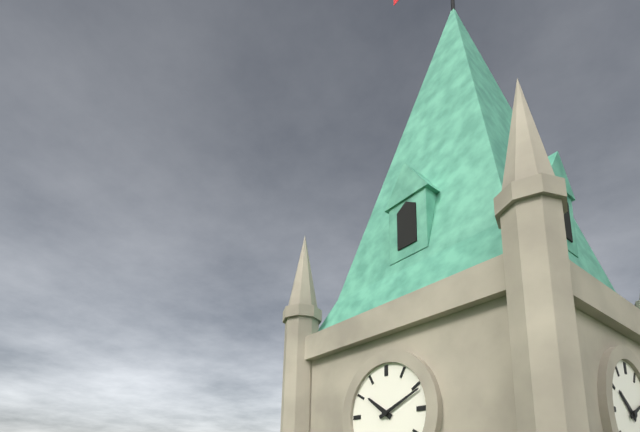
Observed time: 10:11
